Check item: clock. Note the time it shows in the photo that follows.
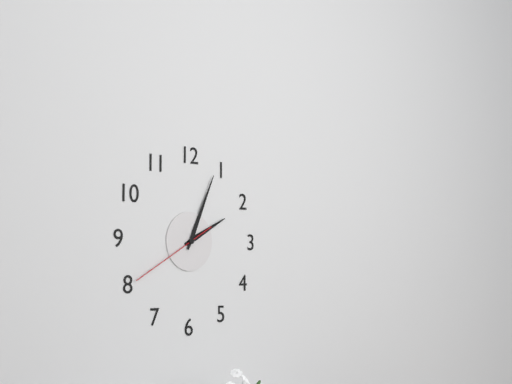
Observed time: 2:04:40
